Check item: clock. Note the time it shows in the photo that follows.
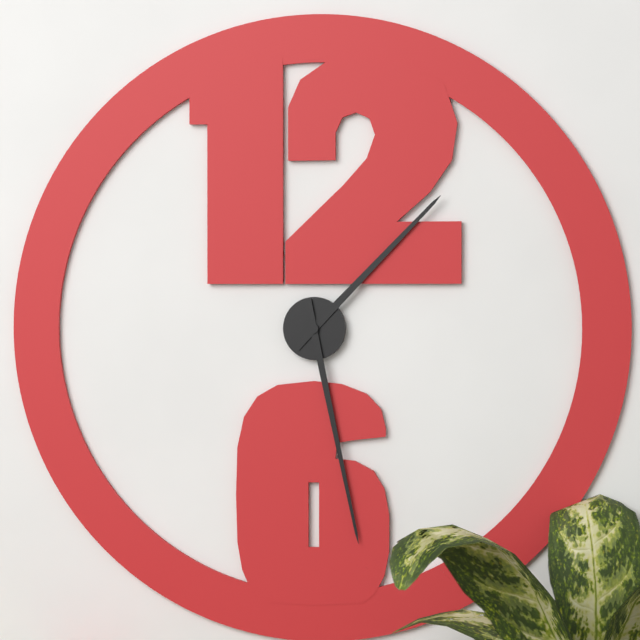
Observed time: 1:28
